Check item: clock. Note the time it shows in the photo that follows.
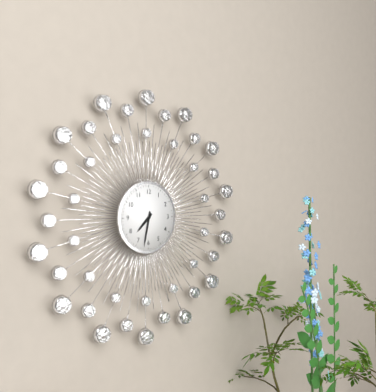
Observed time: 7:32
